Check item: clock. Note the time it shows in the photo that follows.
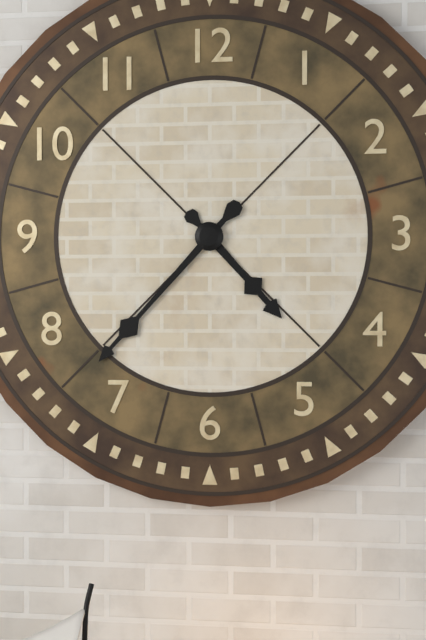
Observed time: 4:37
